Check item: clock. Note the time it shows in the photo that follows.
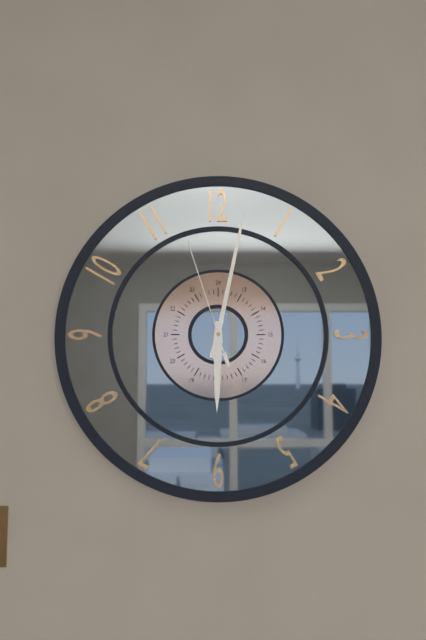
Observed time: 6:02:57
